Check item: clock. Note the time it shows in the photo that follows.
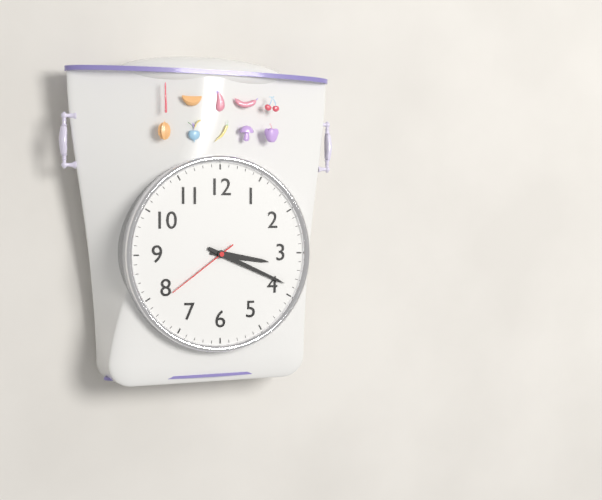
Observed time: 3:19:39
